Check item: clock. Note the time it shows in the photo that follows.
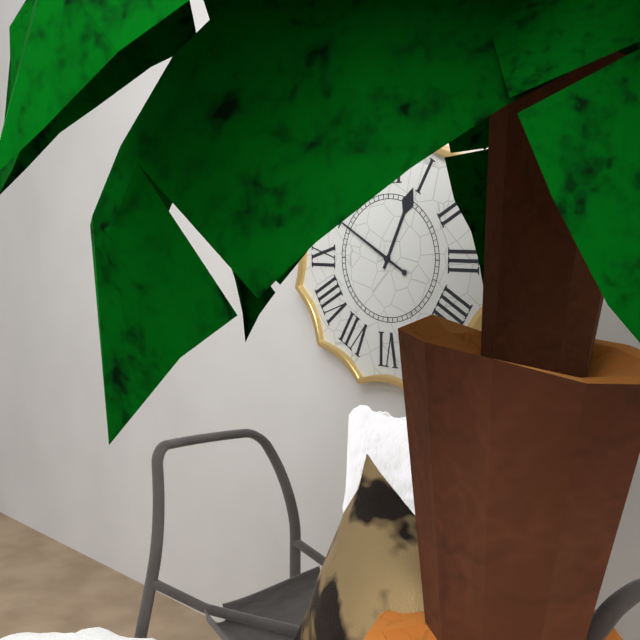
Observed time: 12:50
